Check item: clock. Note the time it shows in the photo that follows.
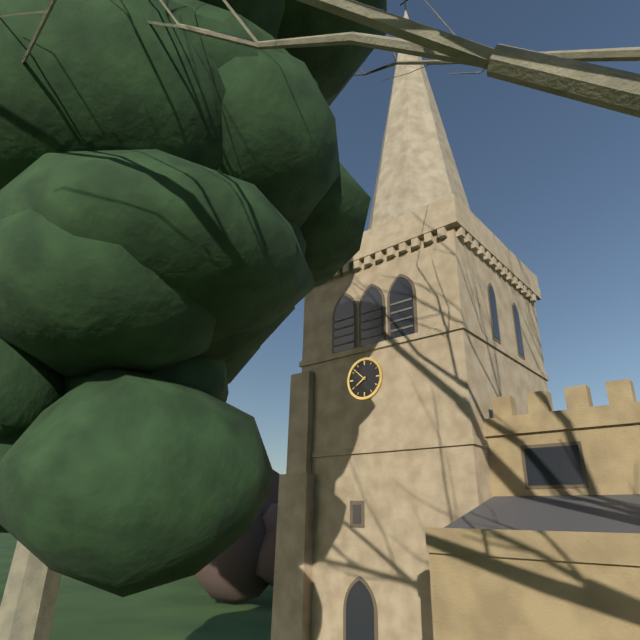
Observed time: 7:52
